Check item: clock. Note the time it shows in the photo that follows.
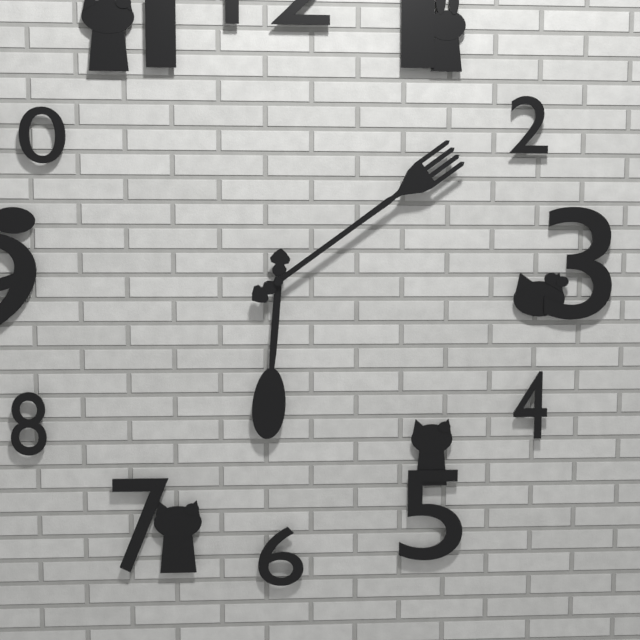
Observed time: 6:09
